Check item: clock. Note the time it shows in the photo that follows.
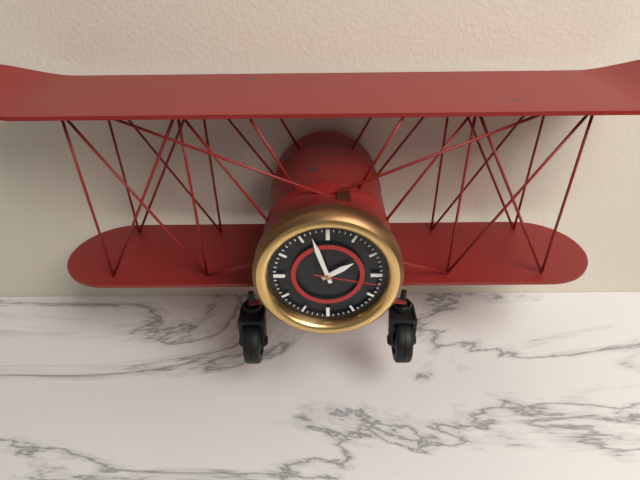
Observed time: 1:57:17
